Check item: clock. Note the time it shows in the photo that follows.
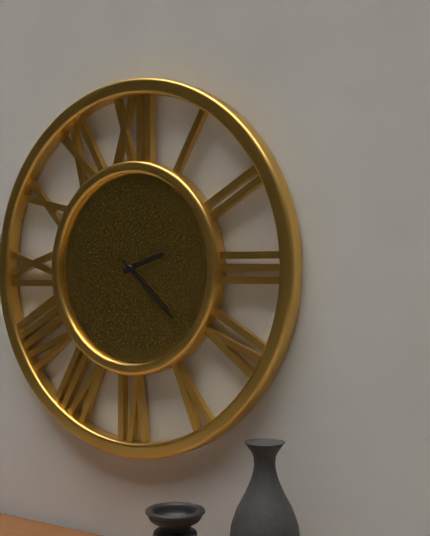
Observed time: 2:22
